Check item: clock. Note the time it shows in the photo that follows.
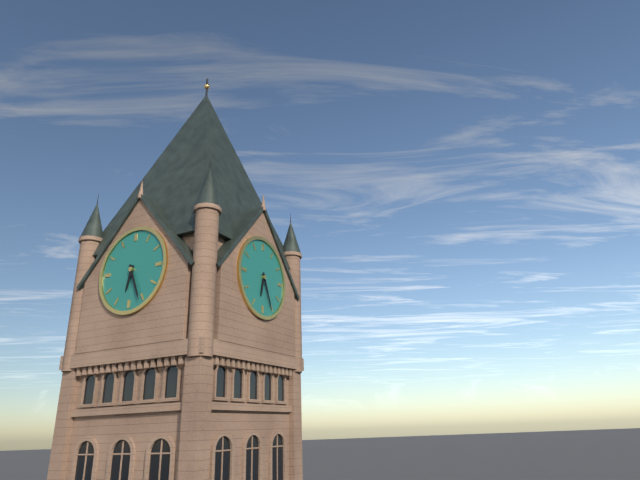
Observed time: 6:26
